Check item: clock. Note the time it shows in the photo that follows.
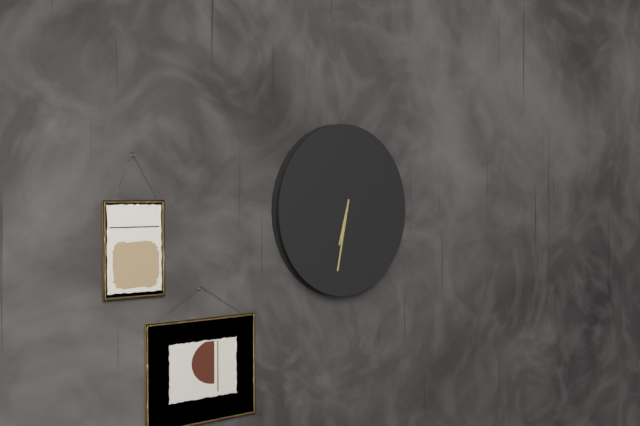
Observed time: 6:32
